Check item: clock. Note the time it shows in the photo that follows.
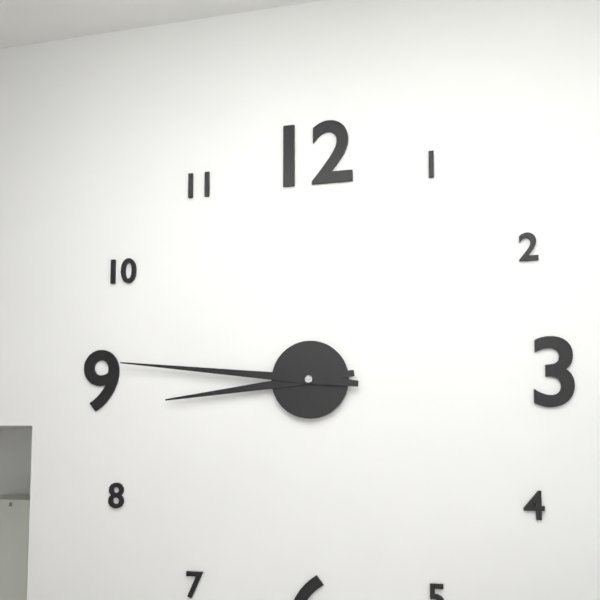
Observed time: 8:46
